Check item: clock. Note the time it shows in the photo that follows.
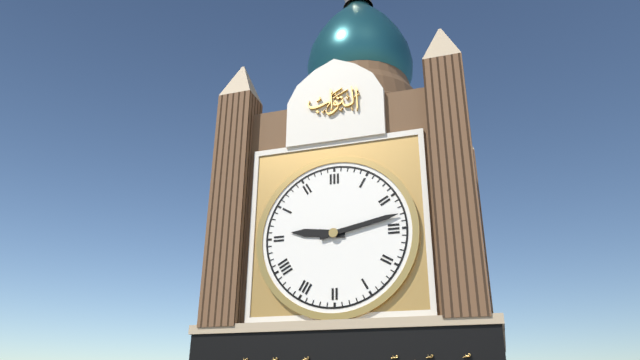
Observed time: 9:13
